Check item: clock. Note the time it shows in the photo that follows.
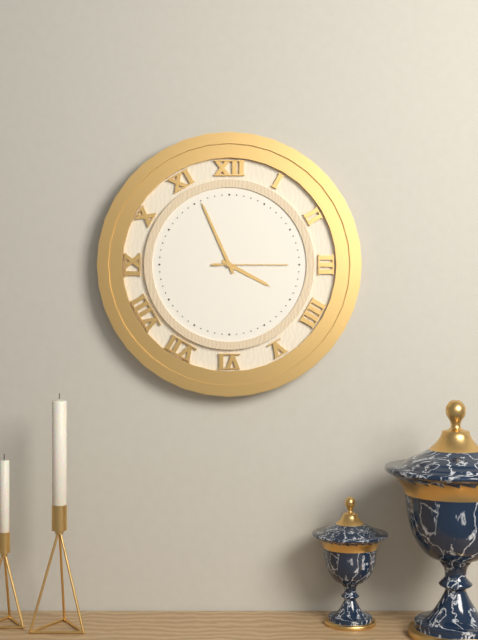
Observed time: 3:56:15
